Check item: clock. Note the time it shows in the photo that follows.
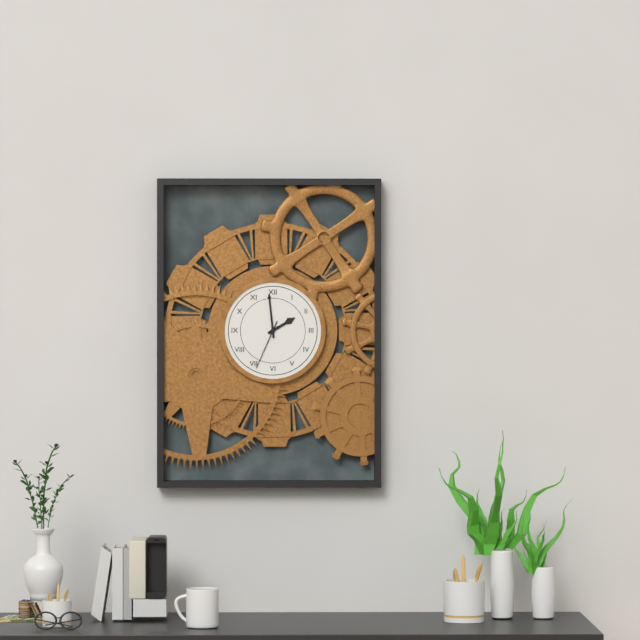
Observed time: 1:59:34
